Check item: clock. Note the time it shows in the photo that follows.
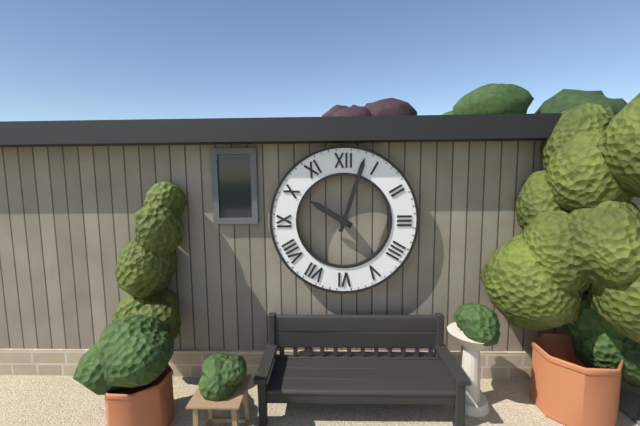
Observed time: 10:03
